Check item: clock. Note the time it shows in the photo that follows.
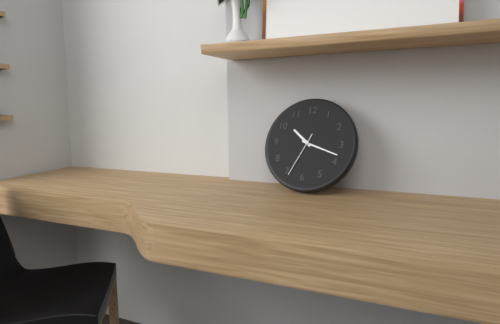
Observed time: 10:18
